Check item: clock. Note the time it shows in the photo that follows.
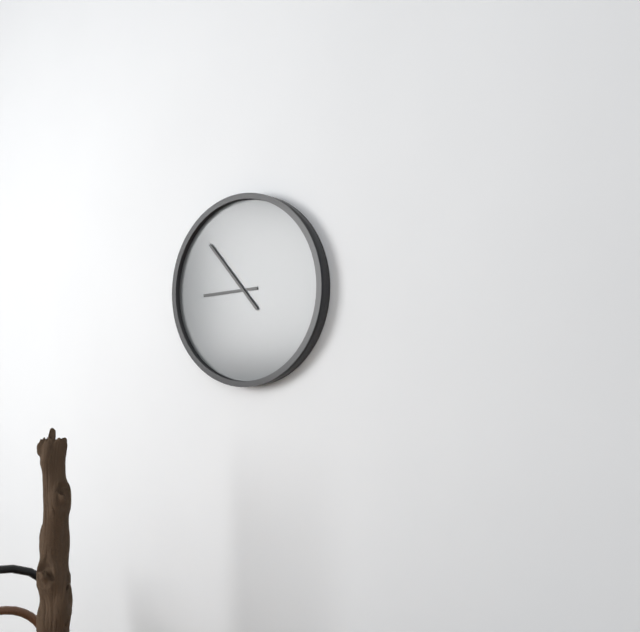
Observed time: 8:53
